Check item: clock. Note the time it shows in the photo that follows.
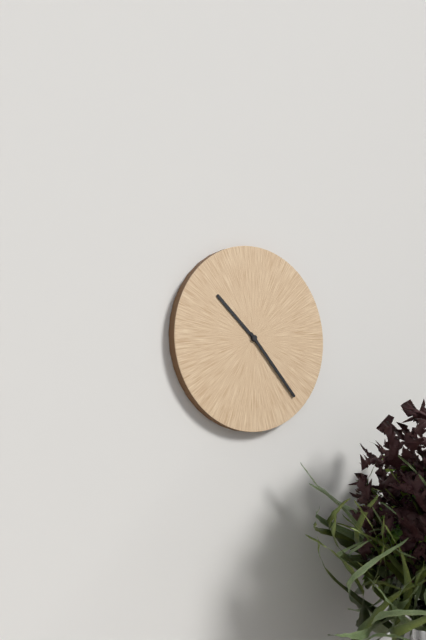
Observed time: 10:23
